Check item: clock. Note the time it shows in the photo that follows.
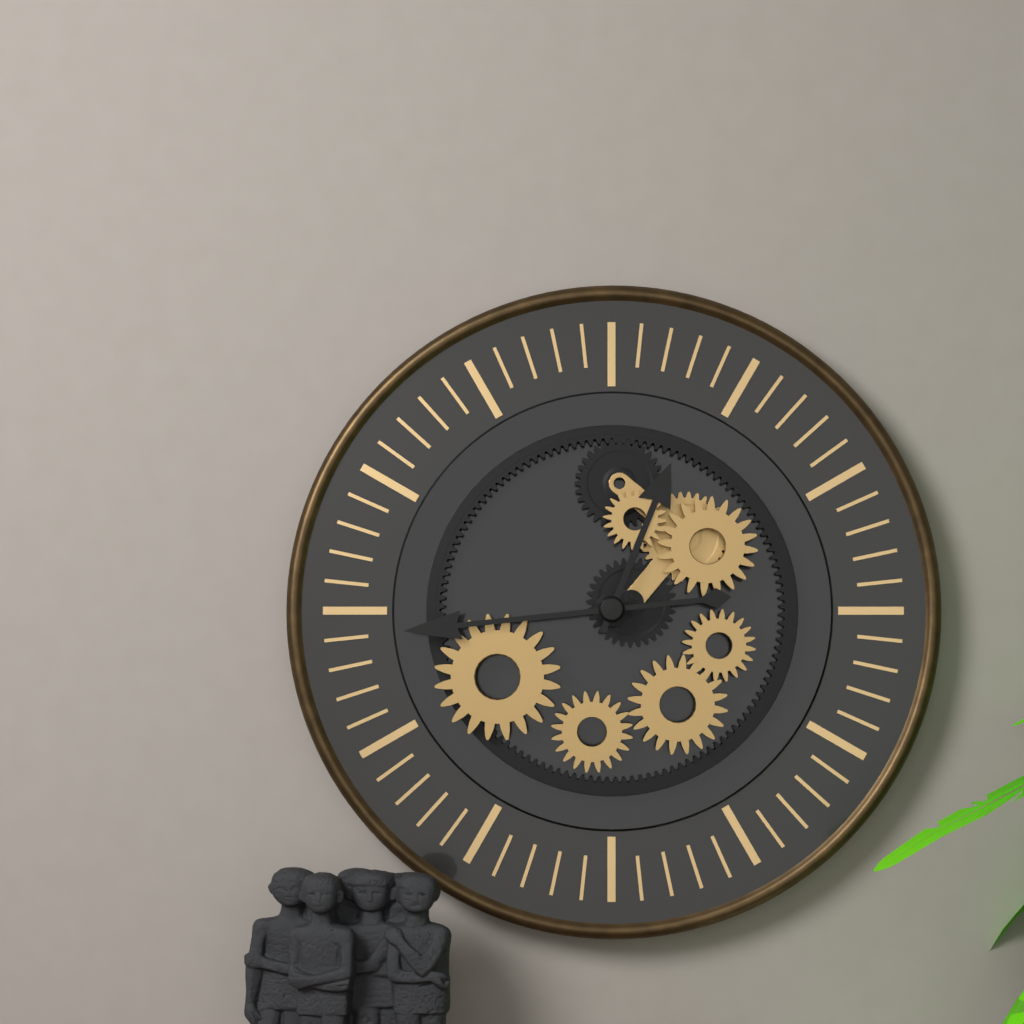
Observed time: 12:44
